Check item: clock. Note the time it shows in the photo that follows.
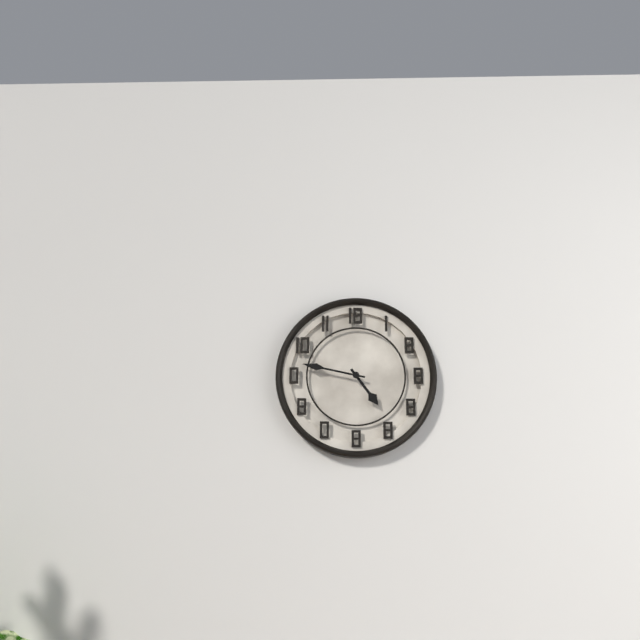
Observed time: 4:47
